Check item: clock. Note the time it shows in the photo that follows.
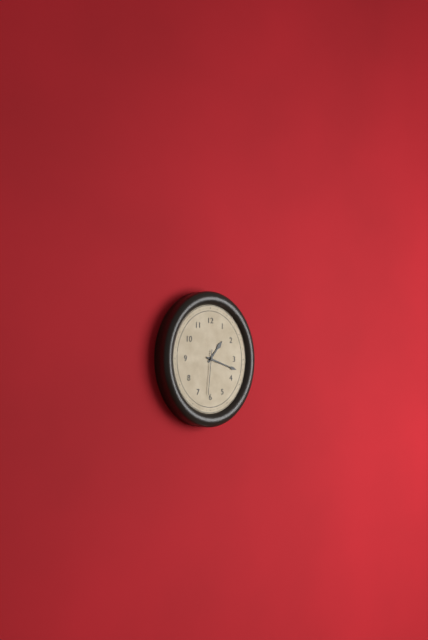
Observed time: 1:18
